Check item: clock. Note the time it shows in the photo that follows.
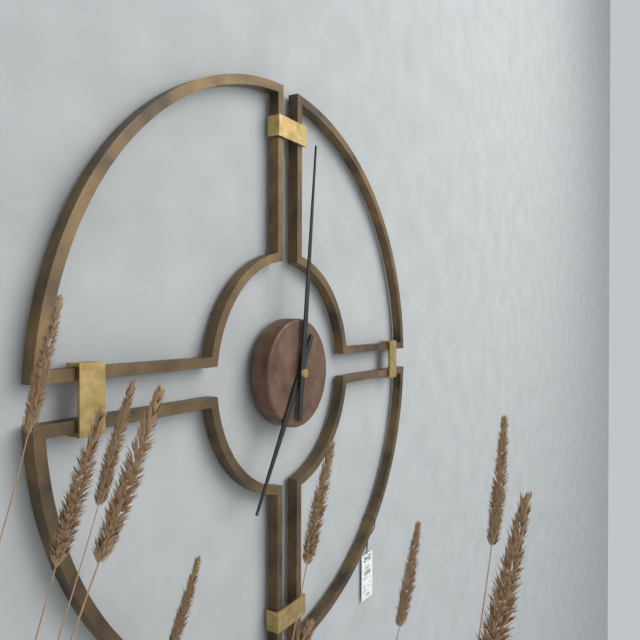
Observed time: 7:01
